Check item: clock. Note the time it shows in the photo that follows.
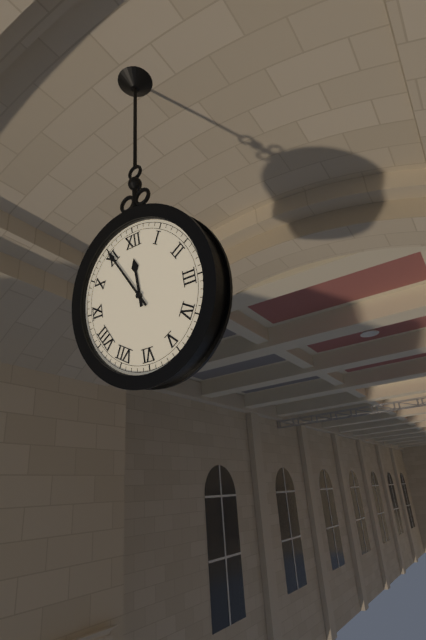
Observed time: 11:55
